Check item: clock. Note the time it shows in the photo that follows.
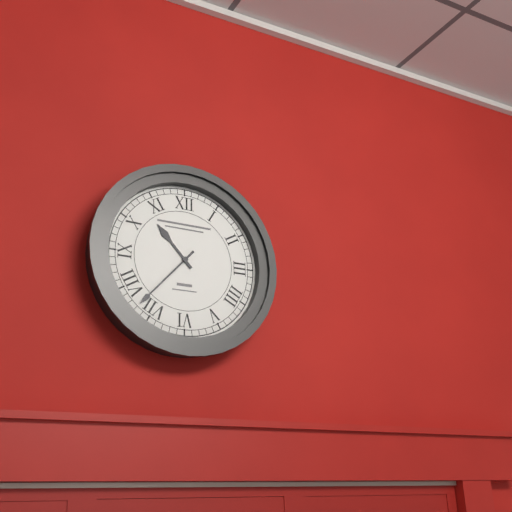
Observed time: 10:37
